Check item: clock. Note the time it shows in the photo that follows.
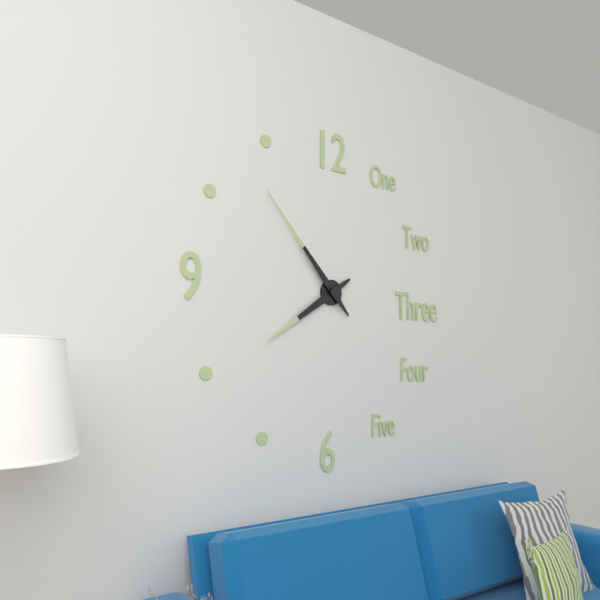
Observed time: 7:53
